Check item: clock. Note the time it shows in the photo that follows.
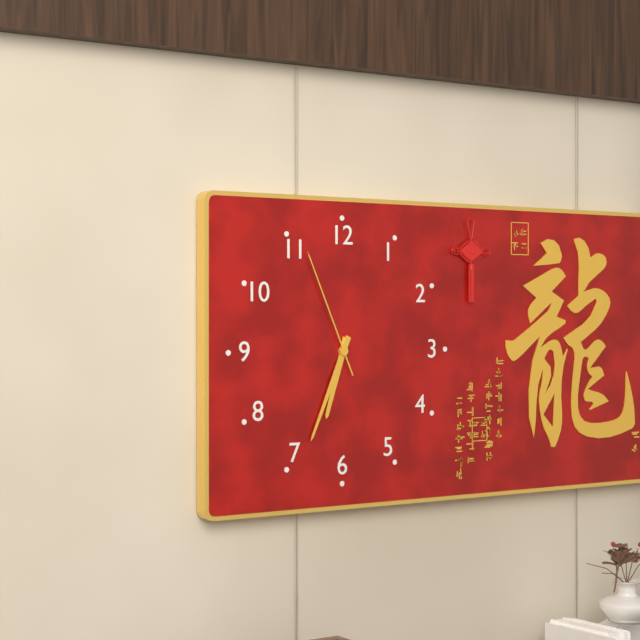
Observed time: 6:34:56
